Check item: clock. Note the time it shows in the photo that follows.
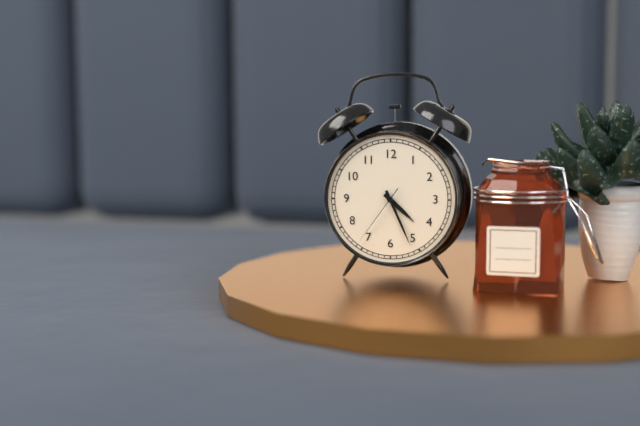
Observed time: 4:26:36
